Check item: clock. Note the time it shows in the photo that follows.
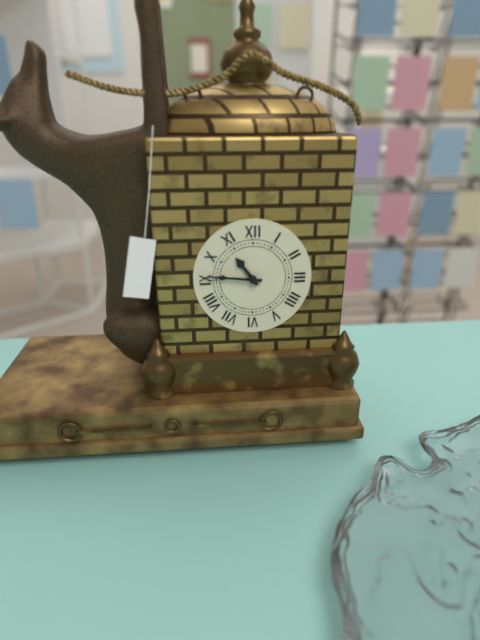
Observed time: 10:46
